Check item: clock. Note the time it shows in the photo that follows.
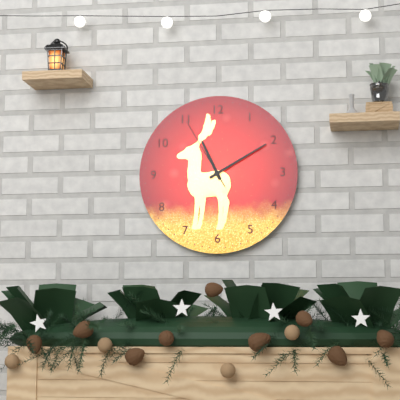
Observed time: 11:10:55
